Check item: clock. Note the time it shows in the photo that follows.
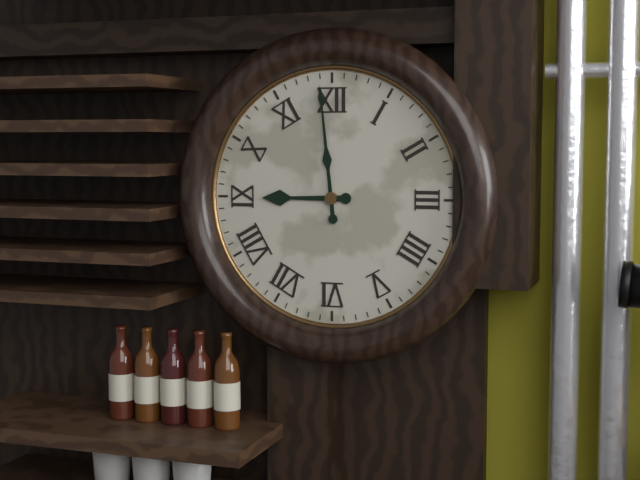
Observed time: 8:59
